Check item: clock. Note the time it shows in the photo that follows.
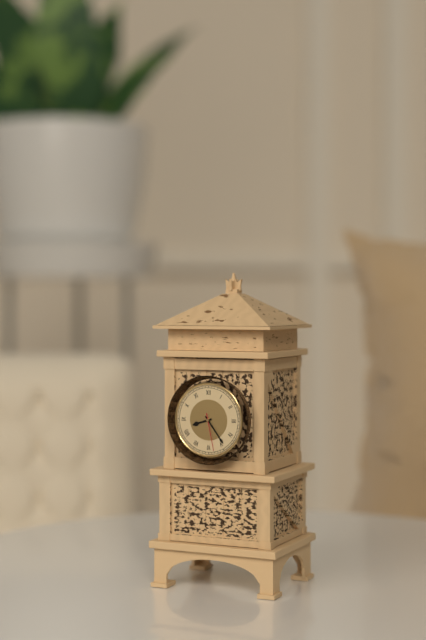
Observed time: 8:24
